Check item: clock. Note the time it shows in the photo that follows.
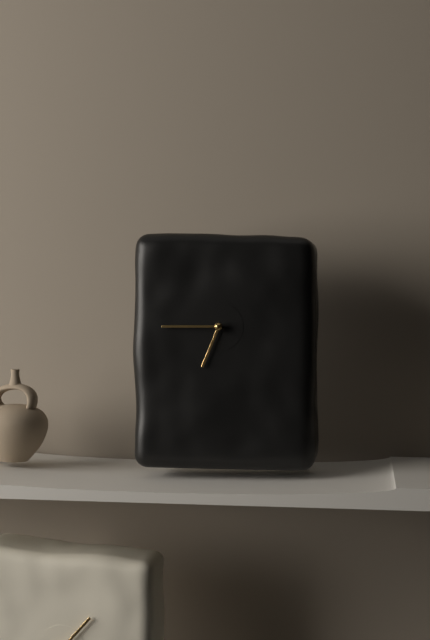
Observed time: 6:45
